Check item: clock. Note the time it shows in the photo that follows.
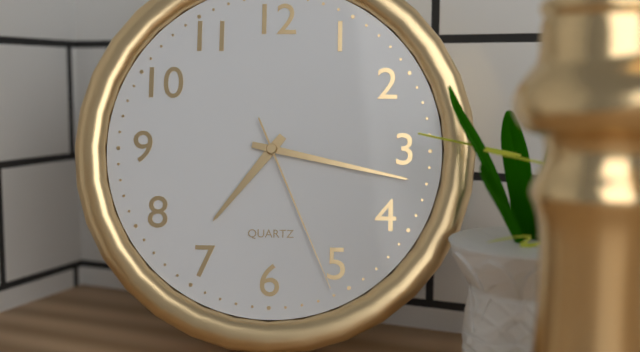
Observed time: 7:17:26
